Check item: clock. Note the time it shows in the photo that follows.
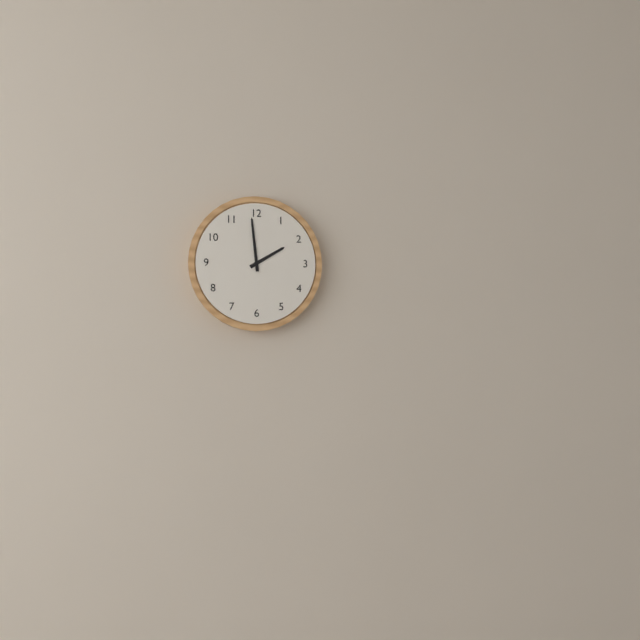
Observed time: 1:59
